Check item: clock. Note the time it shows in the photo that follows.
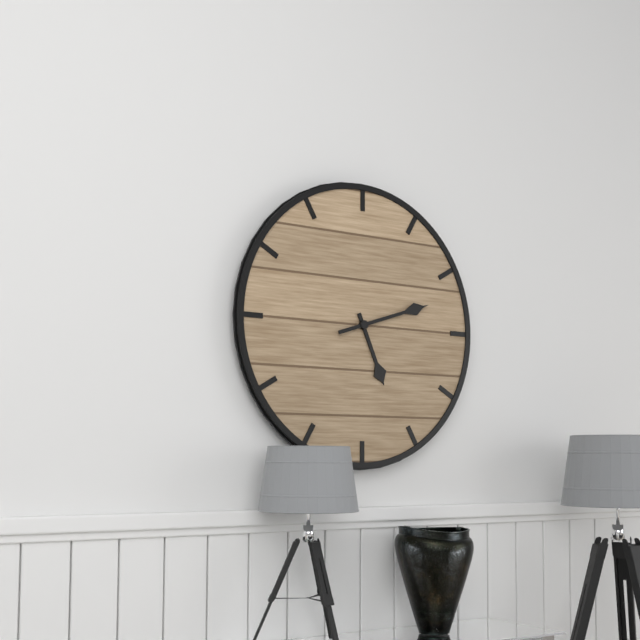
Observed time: 5:12
